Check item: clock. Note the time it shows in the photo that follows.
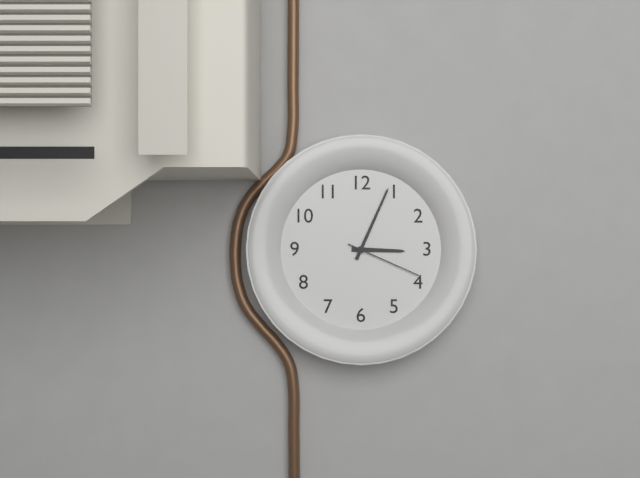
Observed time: 3:04:19
